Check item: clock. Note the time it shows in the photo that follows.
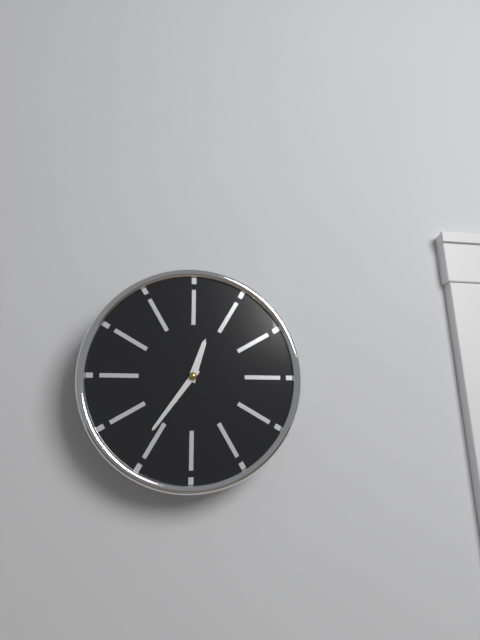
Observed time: 12:36
